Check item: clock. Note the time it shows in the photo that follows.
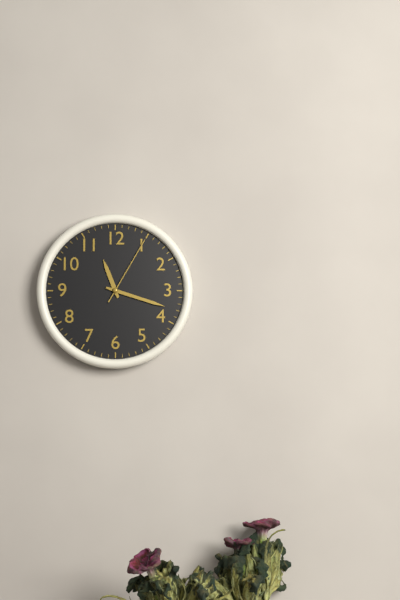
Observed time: 11:18:05
